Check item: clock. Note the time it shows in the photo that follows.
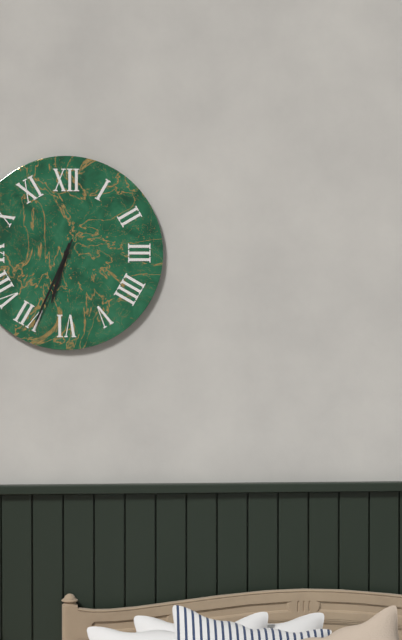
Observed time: 6:34
